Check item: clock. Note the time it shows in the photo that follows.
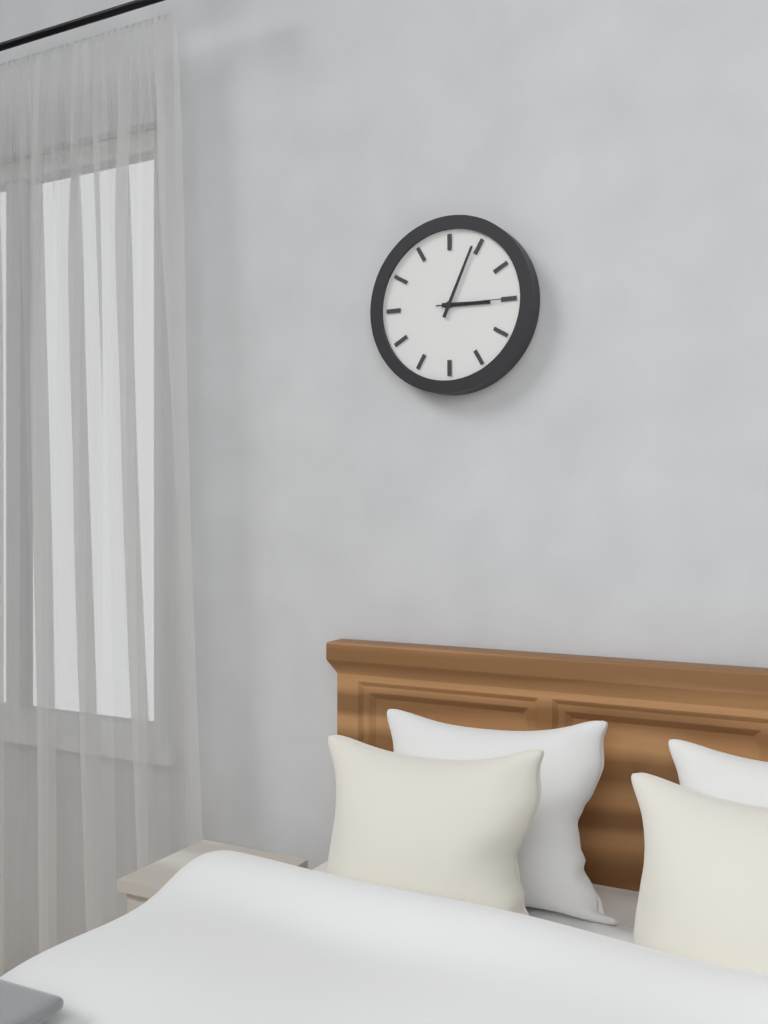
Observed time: 3:04:15
